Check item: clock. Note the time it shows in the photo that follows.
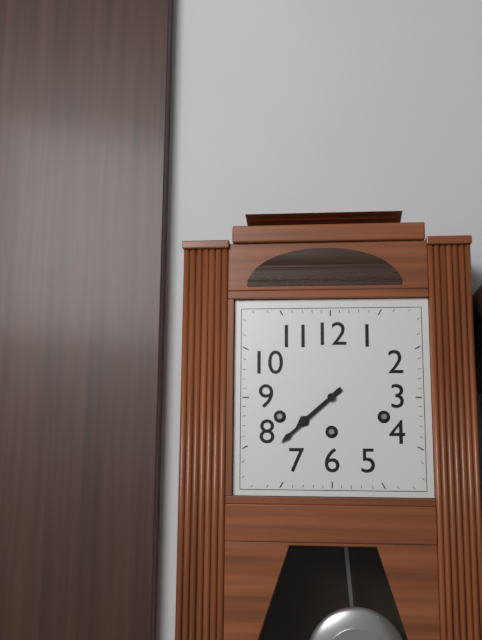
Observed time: 7:38
